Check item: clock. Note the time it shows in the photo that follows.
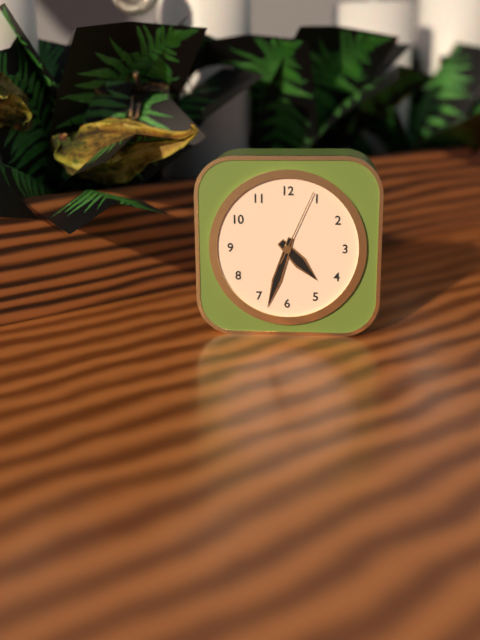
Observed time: 4:33:04
